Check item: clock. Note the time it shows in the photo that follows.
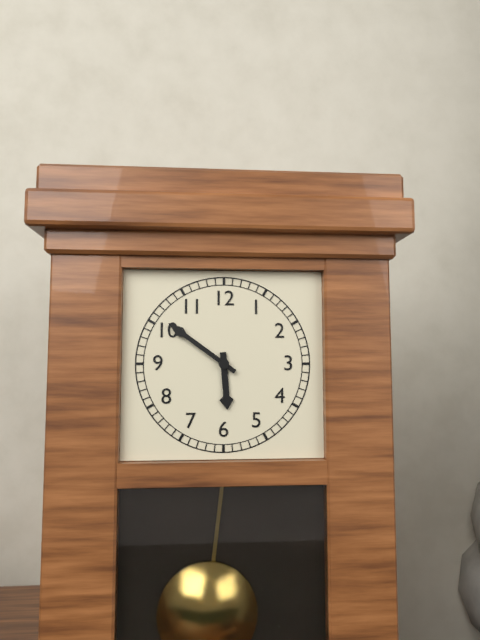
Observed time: 5:51
